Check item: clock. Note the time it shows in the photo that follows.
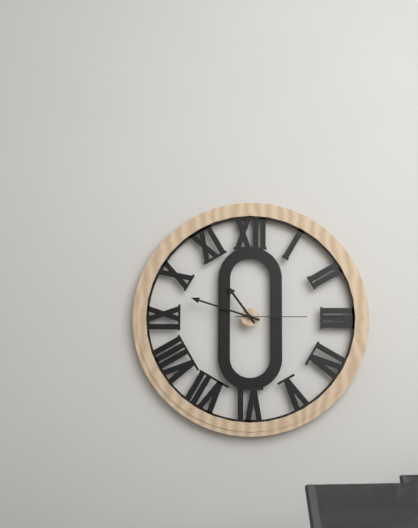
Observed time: 10:48:15
